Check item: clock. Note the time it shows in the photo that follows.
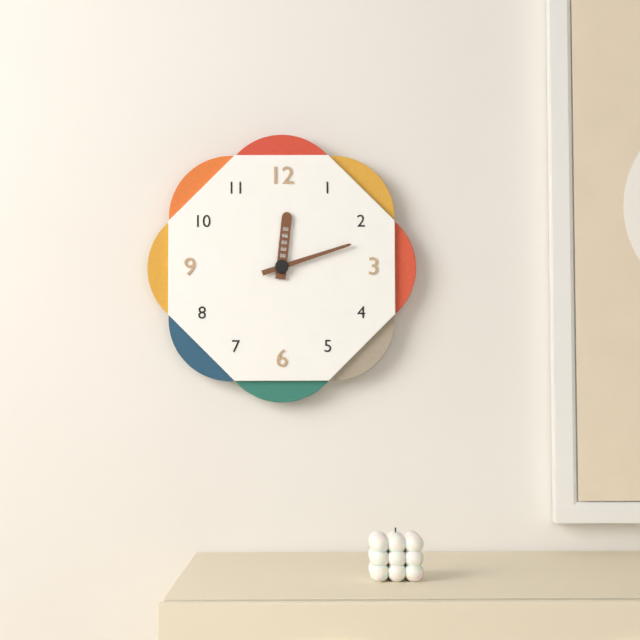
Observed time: 12:12
